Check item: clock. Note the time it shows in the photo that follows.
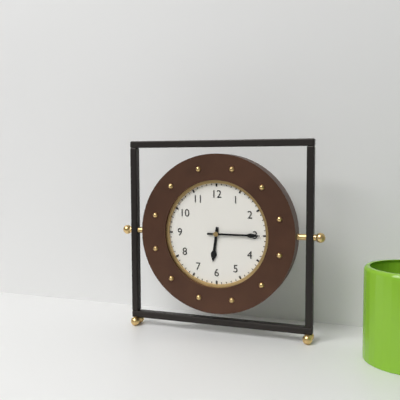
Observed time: 6:15
